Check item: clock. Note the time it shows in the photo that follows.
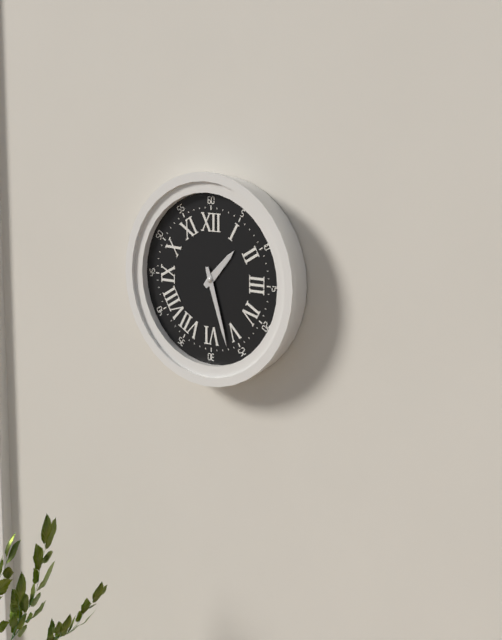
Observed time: 1:27
